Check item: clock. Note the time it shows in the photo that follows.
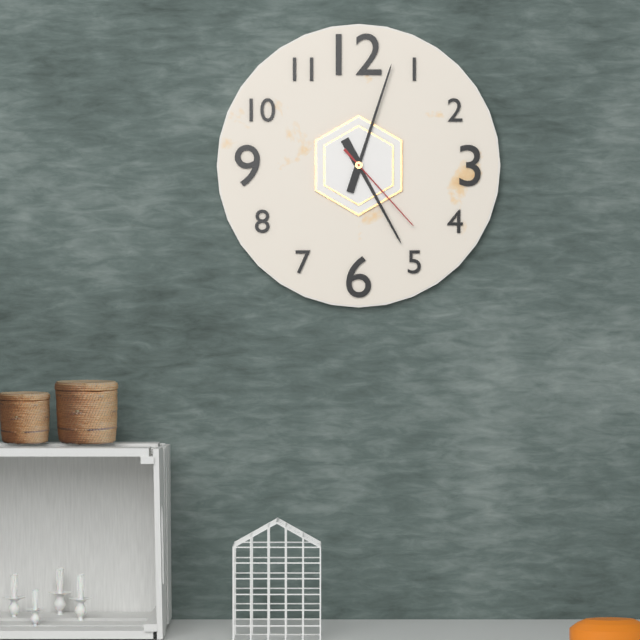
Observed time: 5:03:23
